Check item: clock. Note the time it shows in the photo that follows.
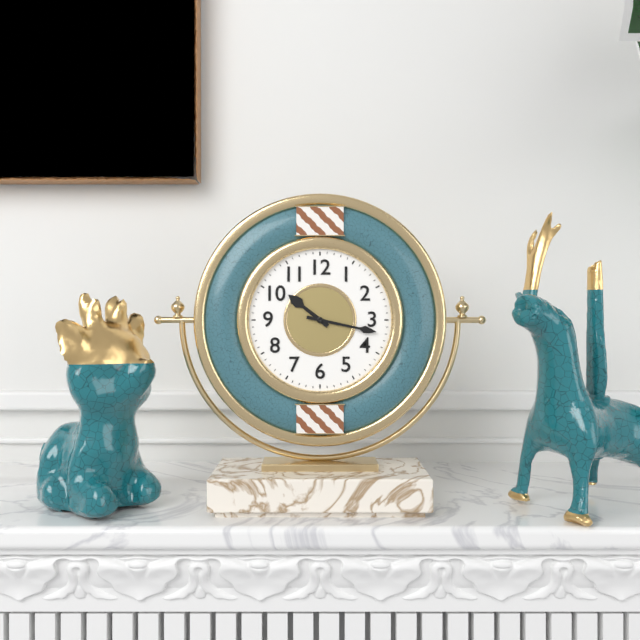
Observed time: 10:17
